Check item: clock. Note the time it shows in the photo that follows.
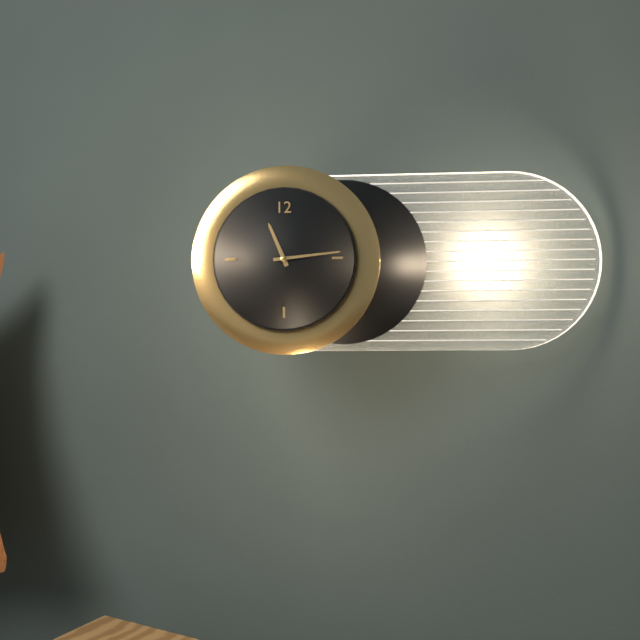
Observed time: 11:14
